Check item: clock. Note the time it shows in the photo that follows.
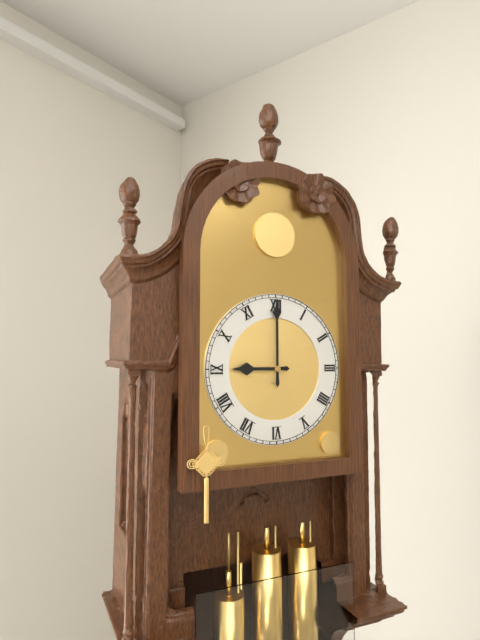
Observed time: 9:00
